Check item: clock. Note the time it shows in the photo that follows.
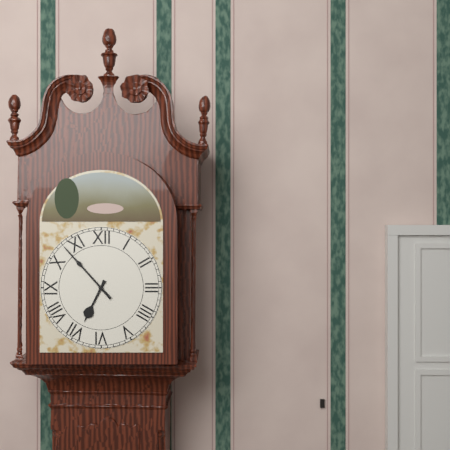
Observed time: 6:53
